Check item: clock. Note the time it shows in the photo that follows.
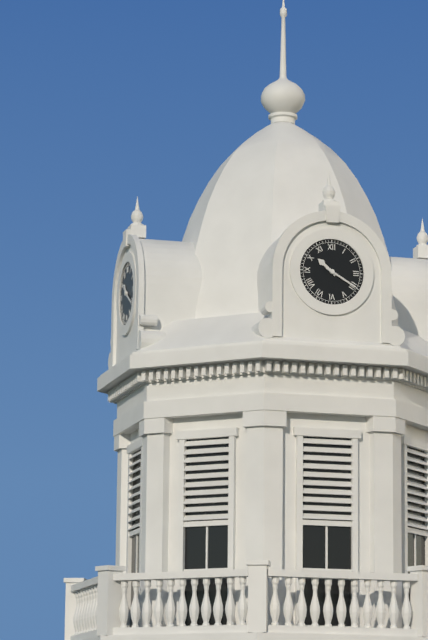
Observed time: 10:20
